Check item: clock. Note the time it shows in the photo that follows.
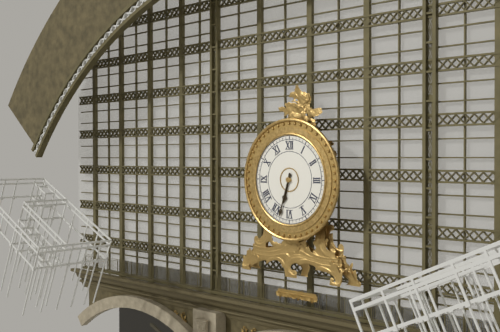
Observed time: 6:33
